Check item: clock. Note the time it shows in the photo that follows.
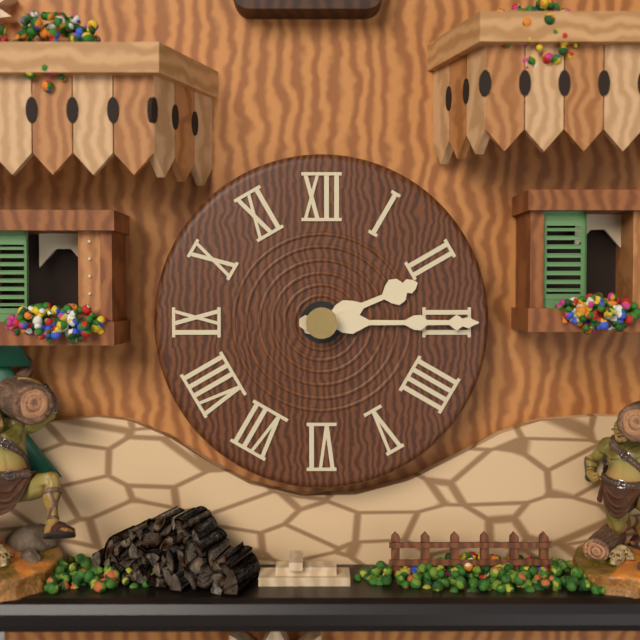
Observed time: 2:15
